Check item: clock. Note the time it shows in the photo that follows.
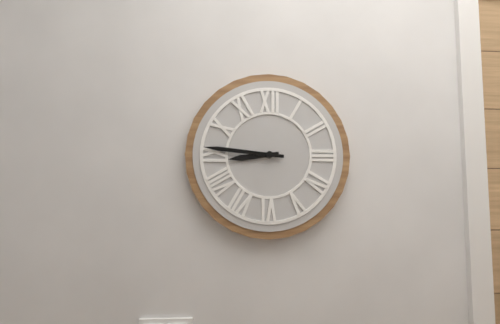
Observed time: 8:46
